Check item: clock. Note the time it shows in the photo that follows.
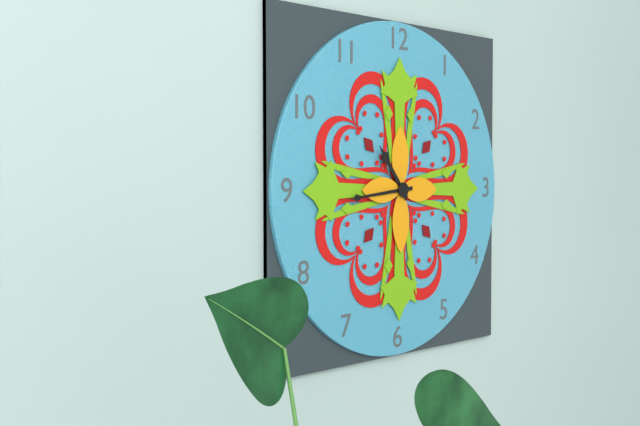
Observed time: 10:44
